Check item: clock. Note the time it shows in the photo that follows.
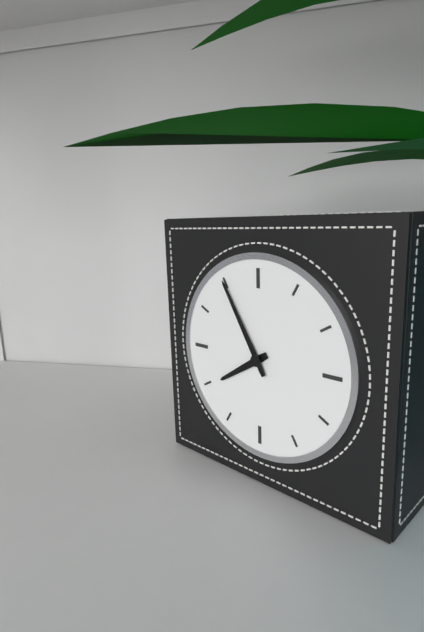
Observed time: 7:55
